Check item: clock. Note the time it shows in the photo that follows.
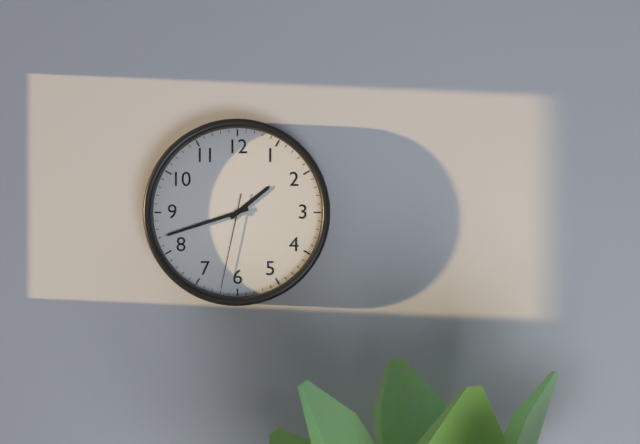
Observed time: 1:42:32
